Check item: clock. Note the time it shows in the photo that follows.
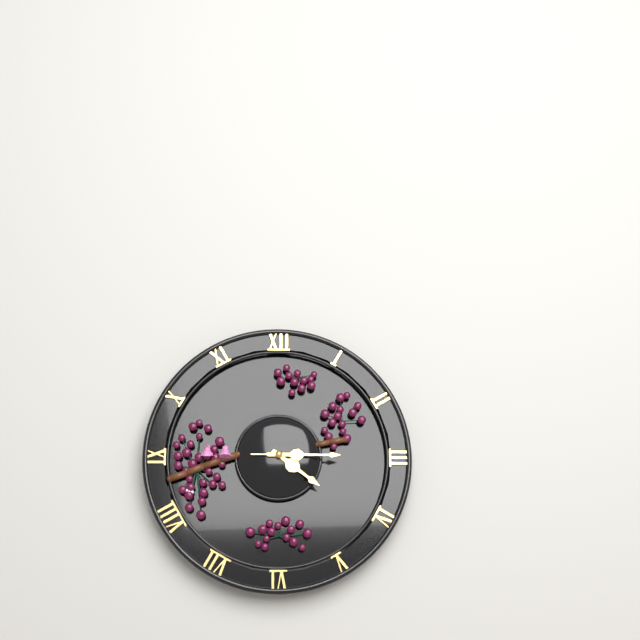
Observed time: 4:15
